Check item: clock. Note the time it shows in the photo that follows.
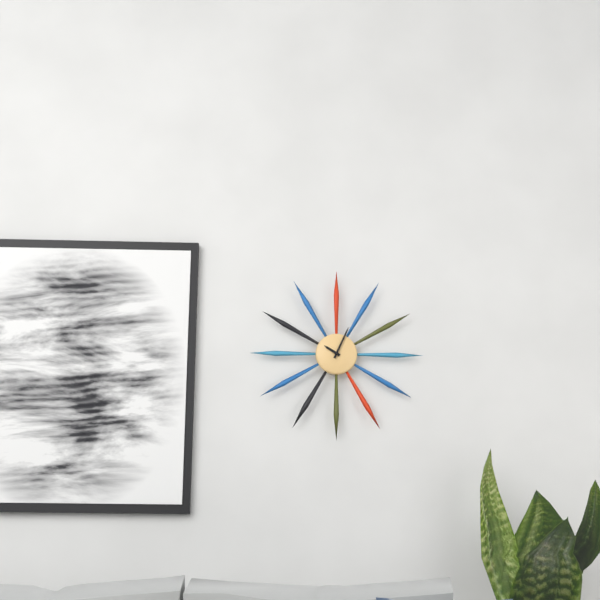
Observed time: 10:04
